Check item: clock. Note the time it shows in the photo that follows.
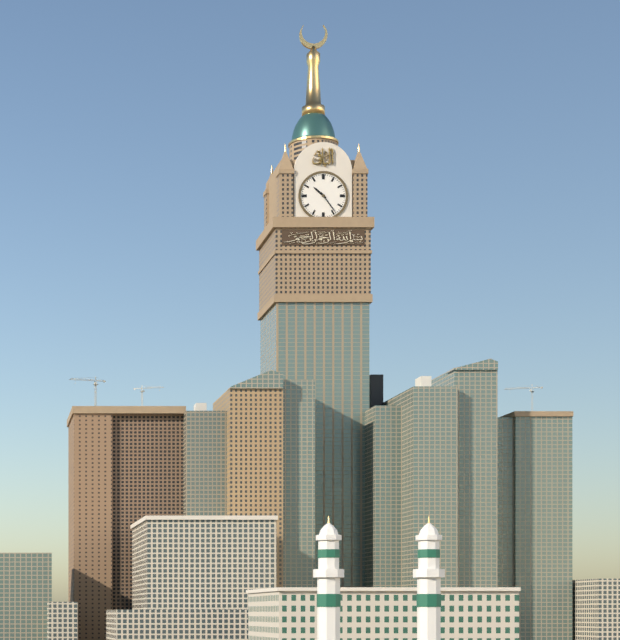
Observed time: 10:24
